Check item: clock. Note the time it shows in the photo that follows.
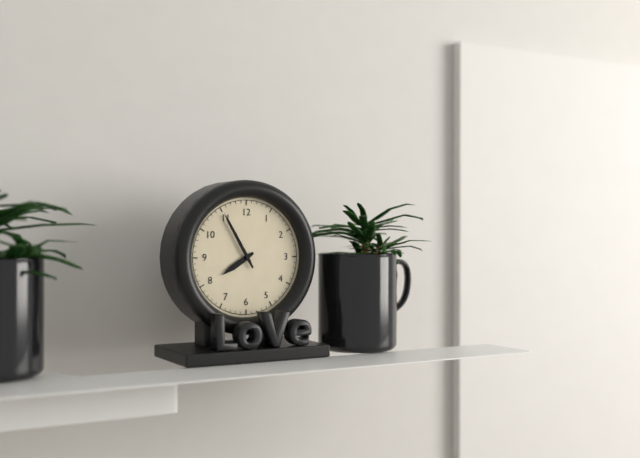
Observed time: 7:55
